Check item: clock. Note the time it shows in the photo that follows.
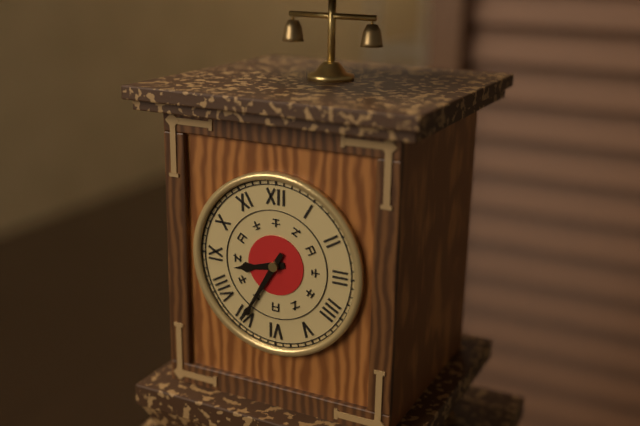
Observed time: 8:35
